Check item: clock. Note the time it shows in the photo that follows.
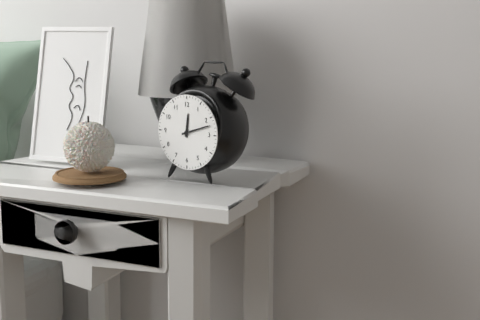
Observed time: 12:12
